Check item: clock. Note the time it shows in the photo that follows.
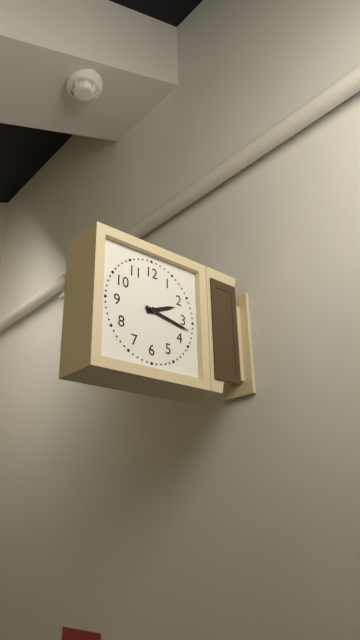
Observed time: 2:17
